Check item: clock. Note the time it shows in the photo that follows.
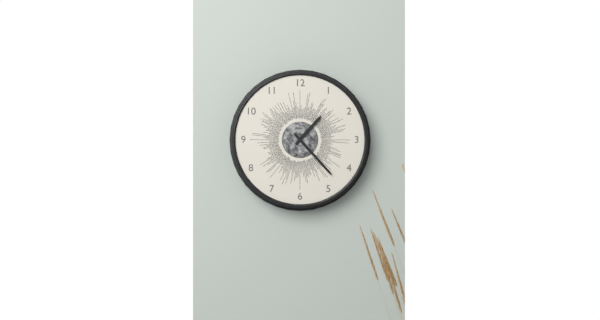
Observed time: 1:23
